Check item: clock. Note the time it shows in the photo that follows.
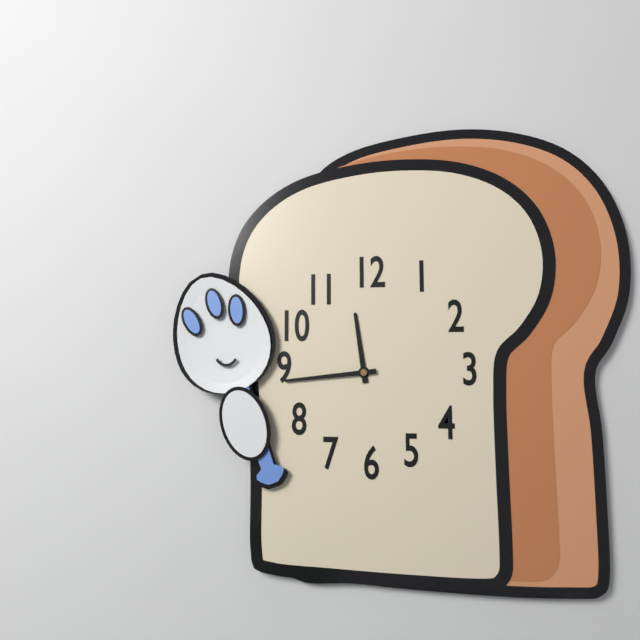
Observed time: 11:44
